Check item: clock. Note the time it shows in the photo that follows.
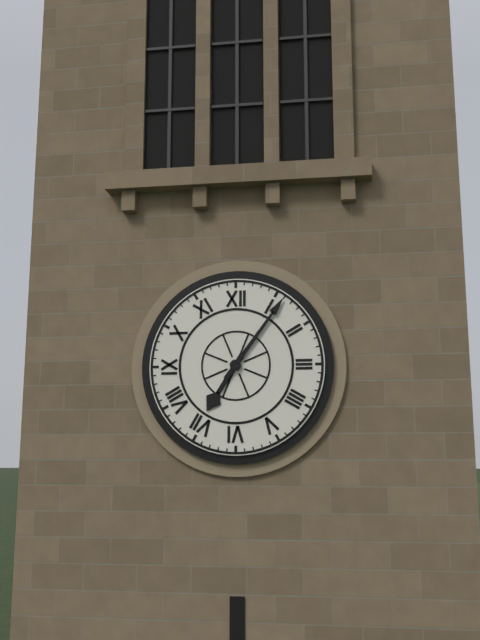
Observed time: 7:06
